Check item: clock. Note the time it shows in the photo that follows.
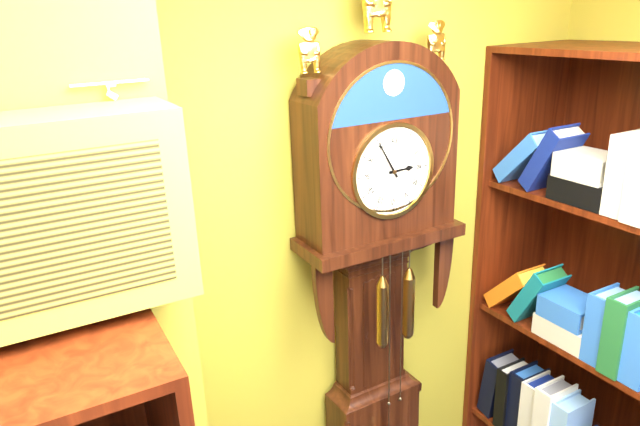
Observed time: 2:55
